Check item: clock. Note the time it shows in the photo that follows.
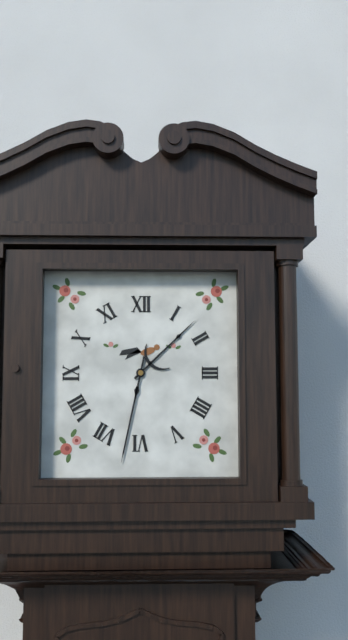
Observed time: 1:32
